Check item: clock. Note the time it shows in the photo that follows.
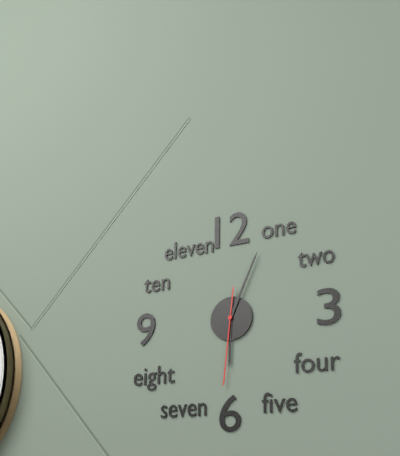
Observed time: 6:04:31
